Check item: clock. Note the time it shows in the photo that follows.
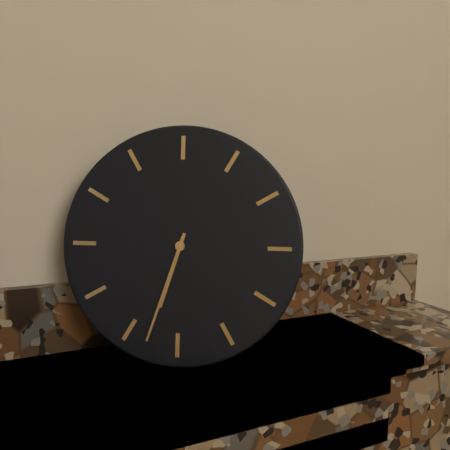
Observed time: 6:33
